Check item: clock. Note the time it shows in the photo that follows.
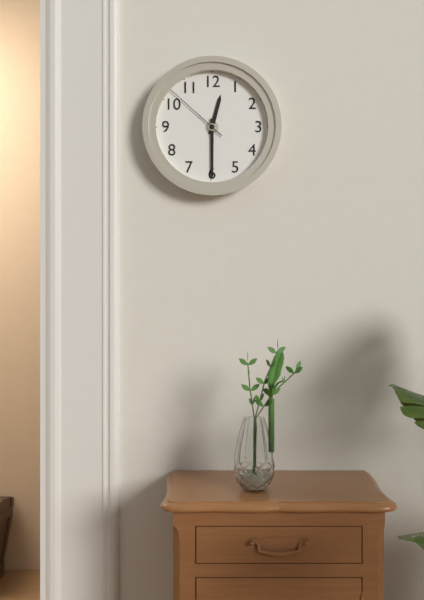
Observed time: 12:30:52
